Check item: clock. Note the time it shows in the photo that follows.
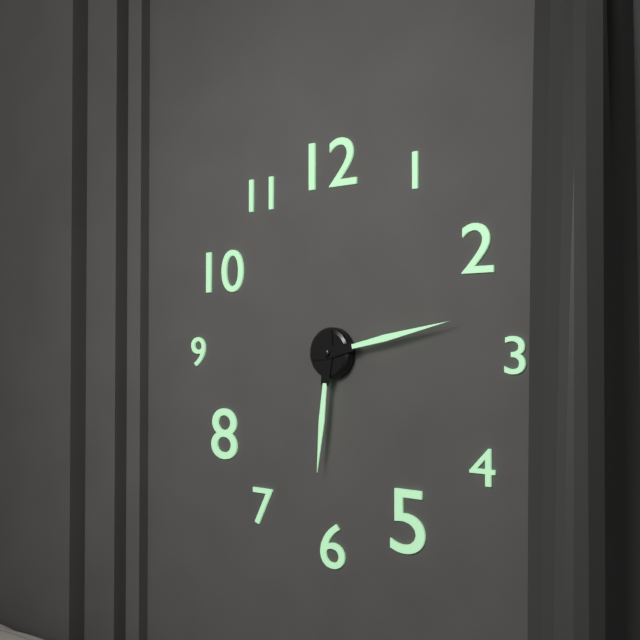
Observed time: 6:13
